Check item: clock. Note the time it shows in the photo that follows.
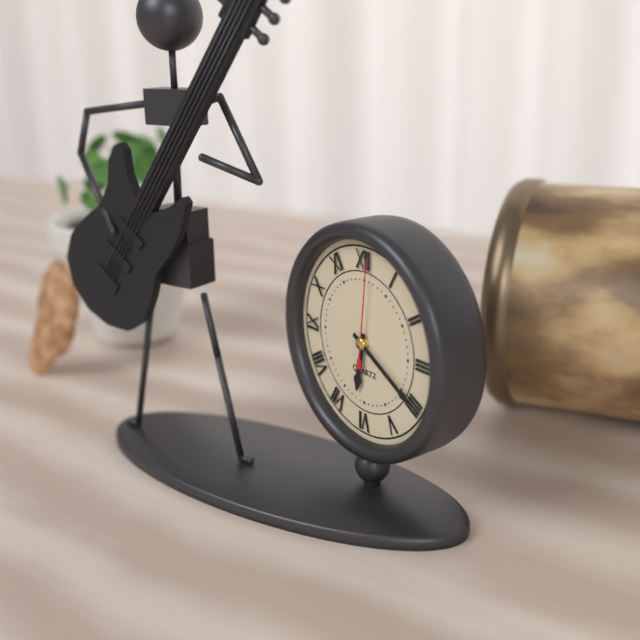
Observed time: 6:20:01
